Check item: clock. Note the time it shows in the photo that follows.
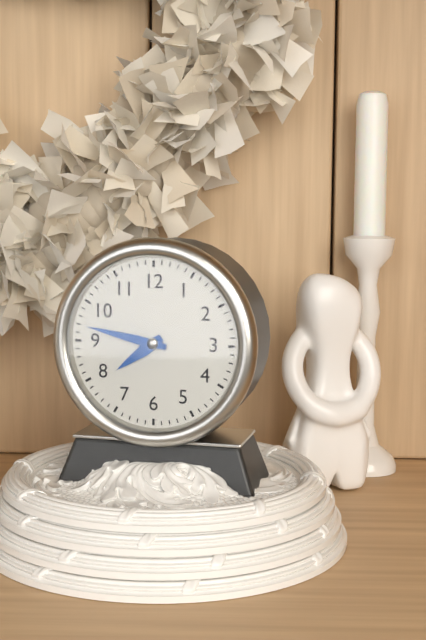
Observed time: 7:47
